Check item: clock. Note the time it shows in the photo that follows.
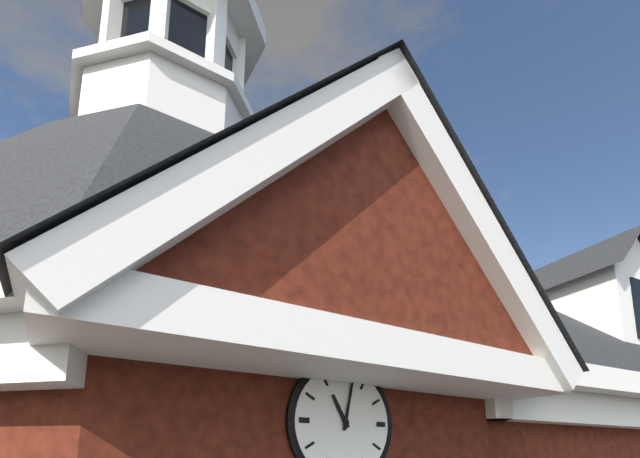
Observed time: 11:02
